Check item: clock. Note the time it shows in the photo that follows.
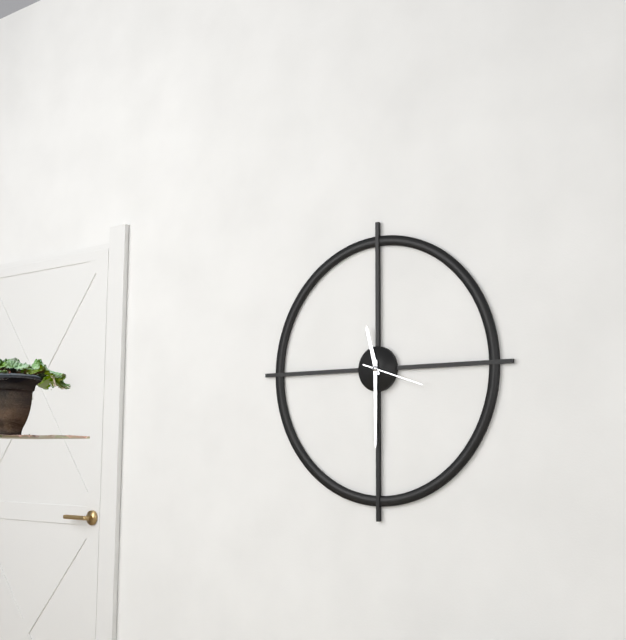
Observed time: 11:30:18
